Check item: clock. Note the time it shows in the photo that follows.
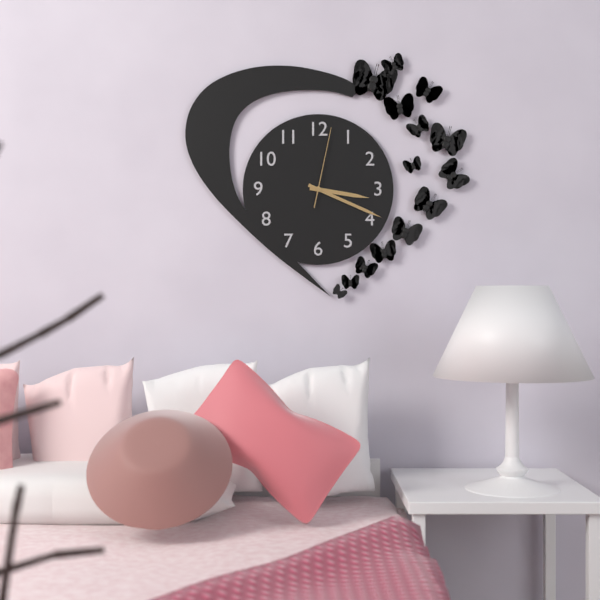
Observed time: 3:19:02
